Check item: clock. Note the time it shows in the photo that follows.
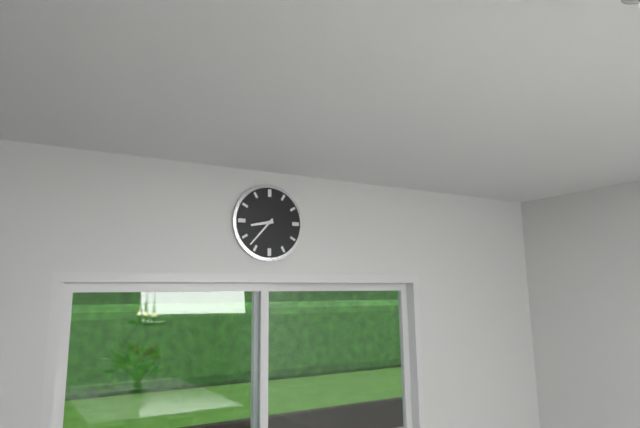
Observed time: 8:37
